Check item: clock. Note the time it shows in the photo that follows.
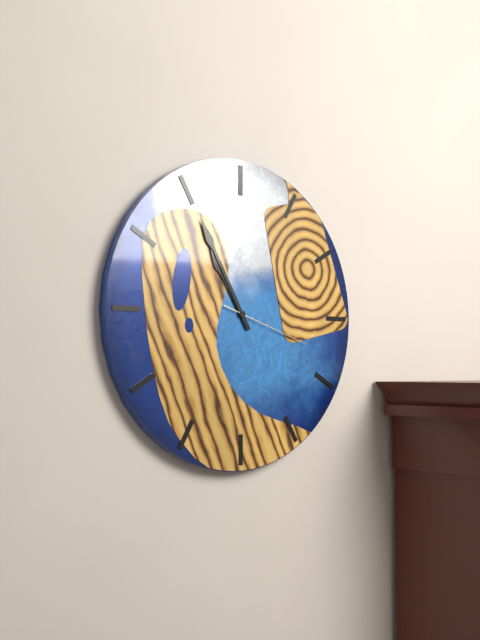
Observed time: 10:55:18
